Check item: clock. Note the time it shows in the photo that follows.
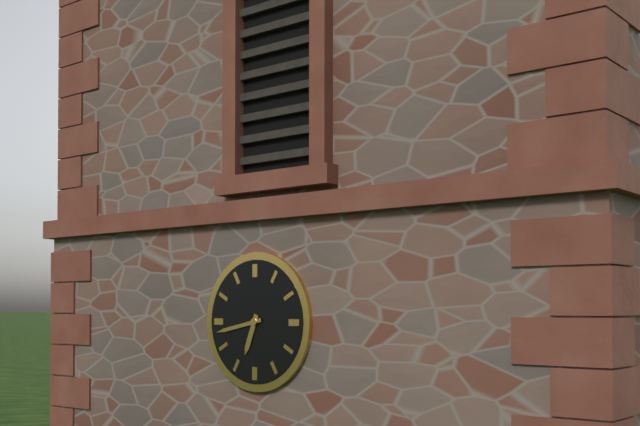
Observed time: 6:43
